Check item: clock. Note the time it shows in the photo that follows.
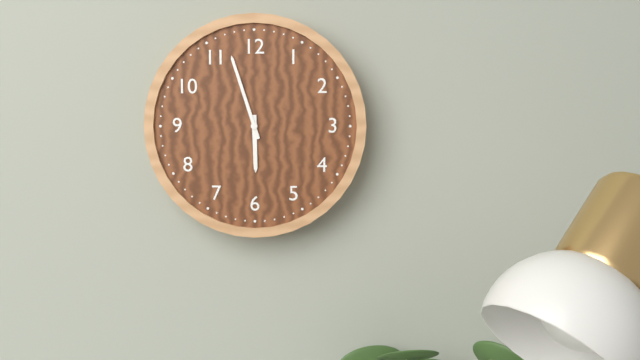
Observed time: 5:57
